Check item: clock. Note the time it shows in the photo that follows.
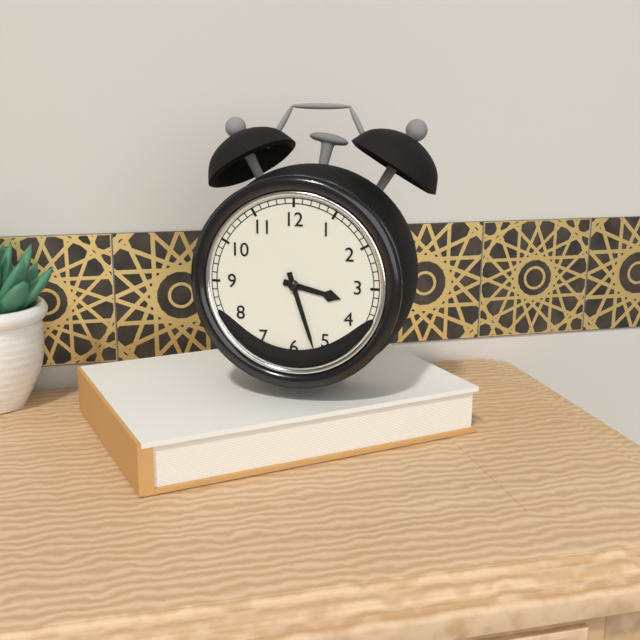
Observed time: 3:27
